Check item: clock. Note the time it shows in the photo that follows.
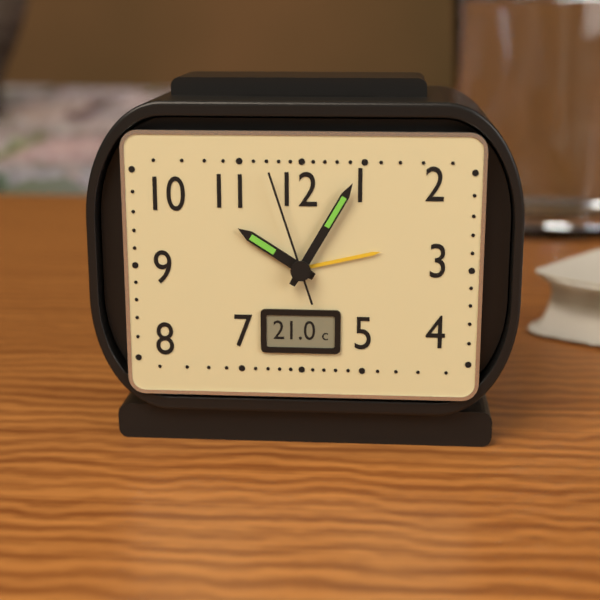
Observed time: 10:05:57
